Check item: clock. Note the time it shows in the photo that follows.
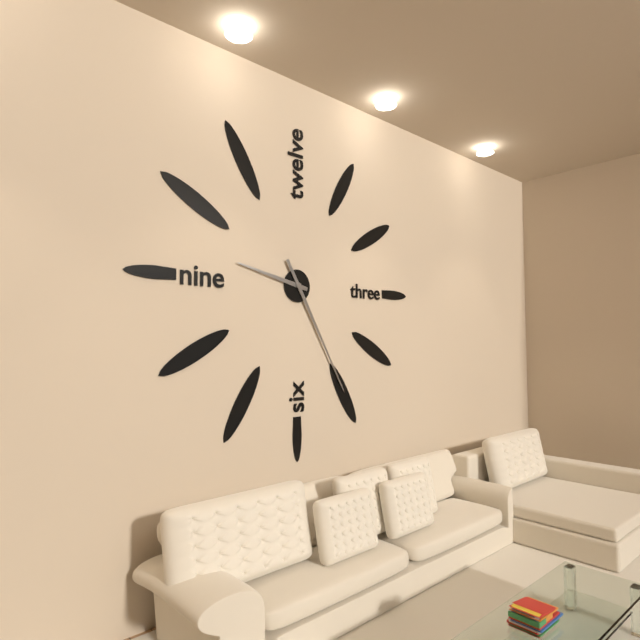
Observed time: 9:25
